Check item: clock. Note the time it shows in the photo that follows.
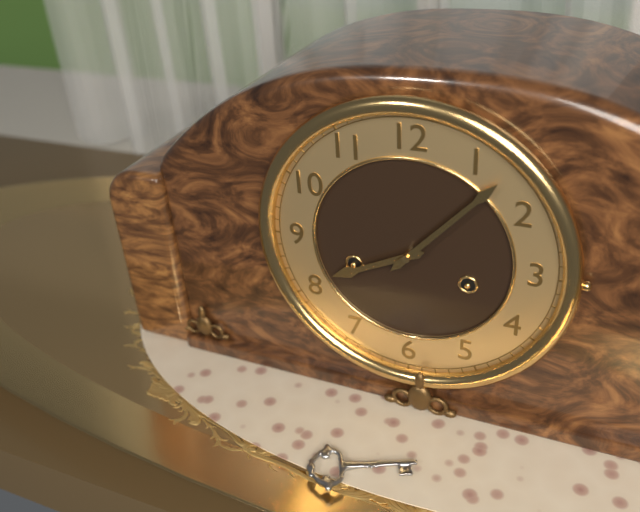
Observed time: 8:07
